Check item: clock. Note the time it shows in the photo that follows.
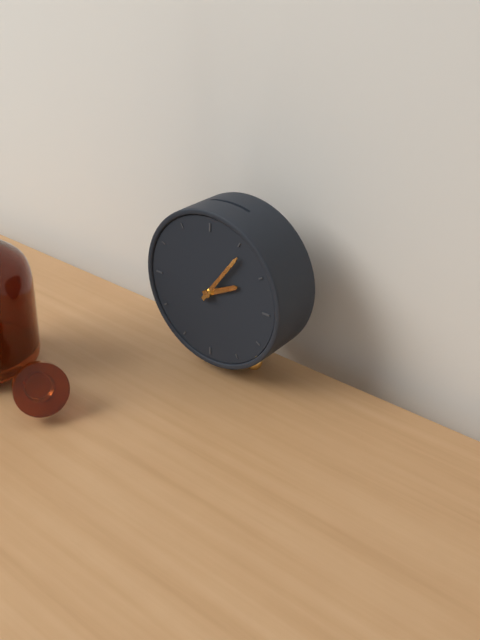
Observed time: 2:06
